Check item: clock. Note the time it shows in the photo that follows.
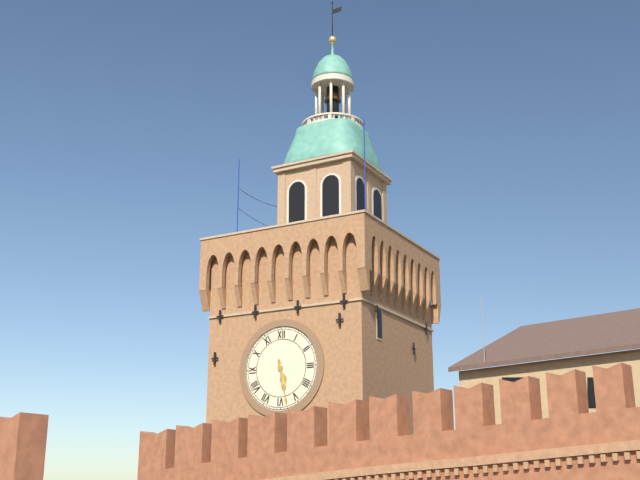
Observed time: 5:28
